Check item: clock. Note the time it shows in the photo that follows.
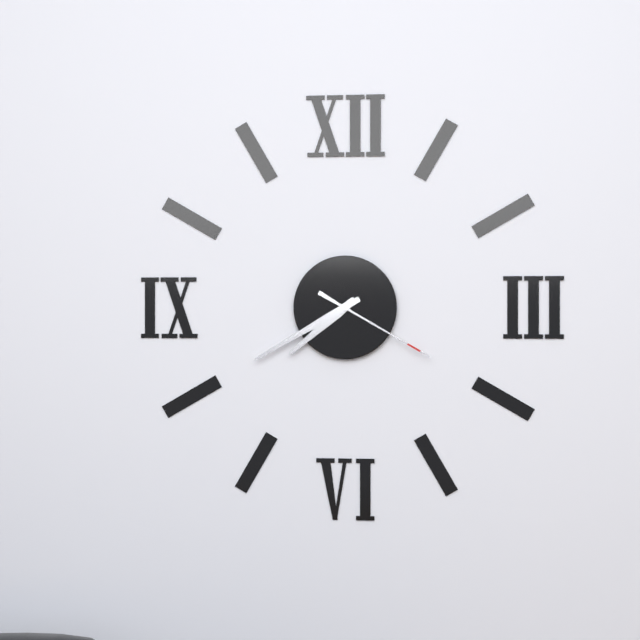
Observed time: 7:40:20
